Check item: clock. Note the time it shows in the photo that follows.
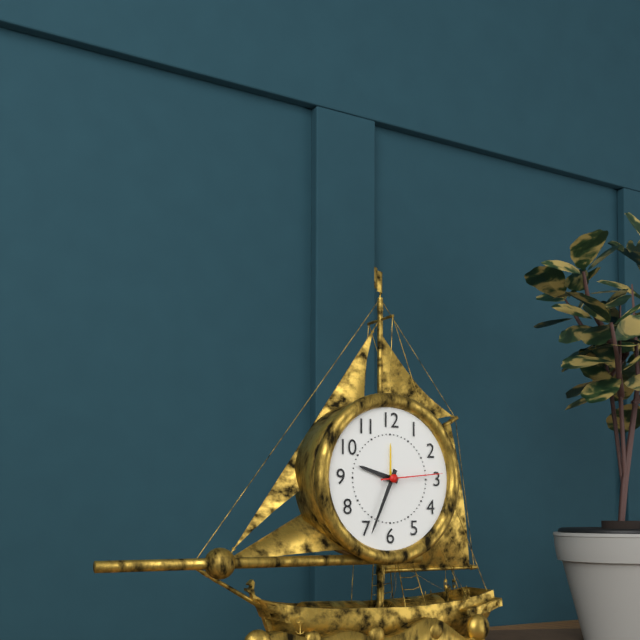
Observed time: 9:34:14
